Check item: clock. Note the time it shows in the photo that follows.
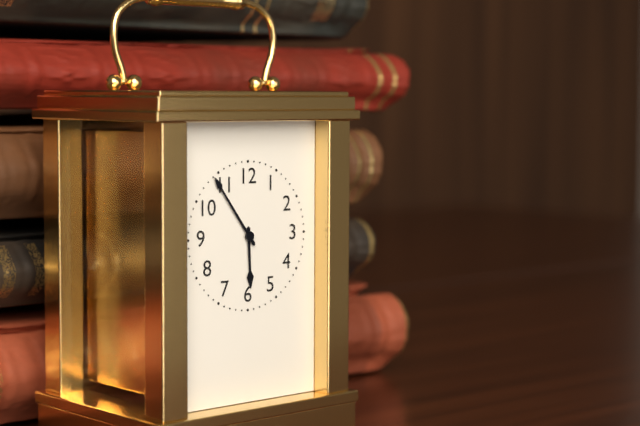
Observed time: 5:54
